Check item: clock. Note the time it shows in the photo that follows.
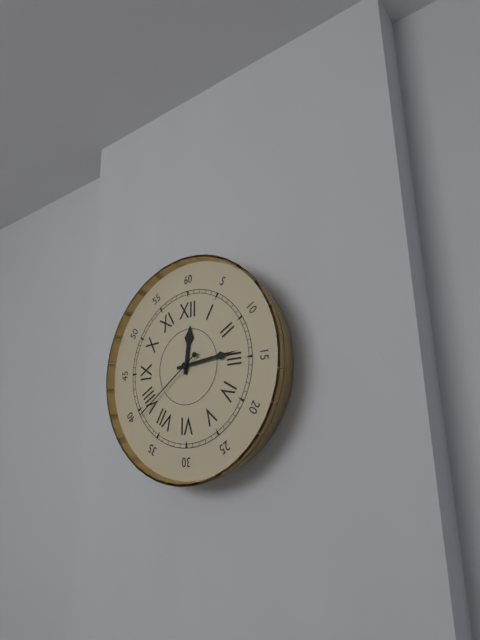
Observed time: 12:14:39
